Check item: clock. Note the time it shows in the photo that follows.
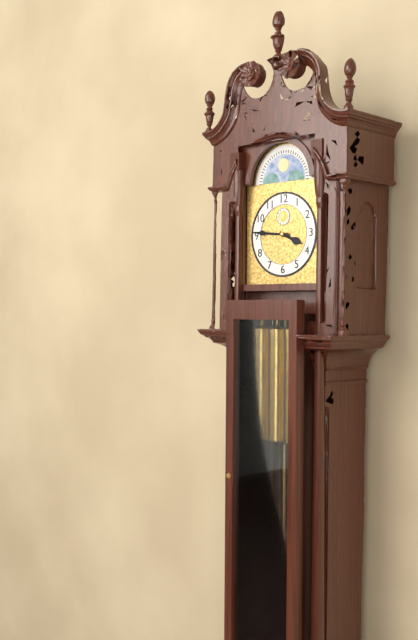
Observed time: 3:46
